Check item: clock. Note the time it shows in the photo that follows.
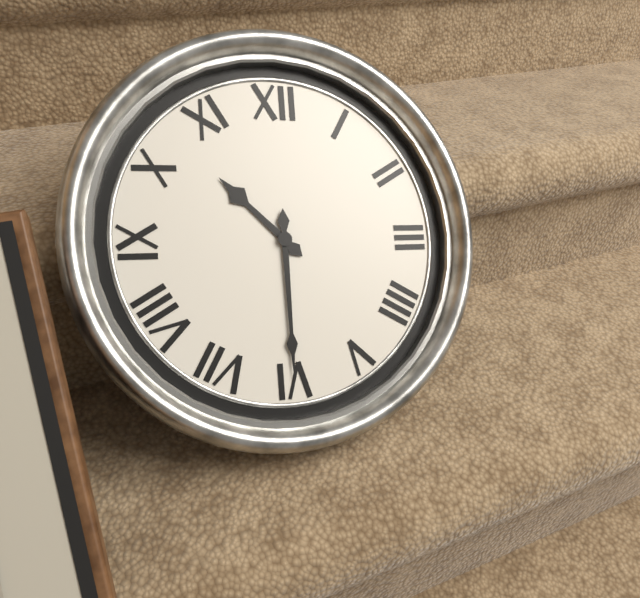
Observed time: 10:30
